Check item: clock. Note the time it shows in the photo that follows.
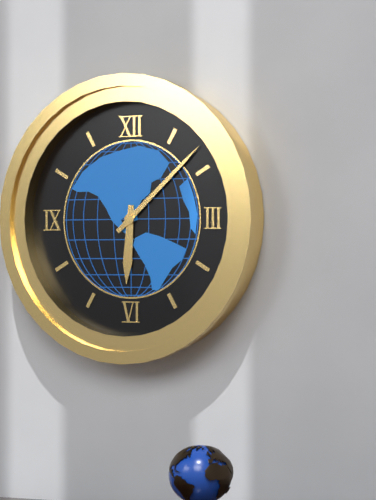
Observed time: 6:08
